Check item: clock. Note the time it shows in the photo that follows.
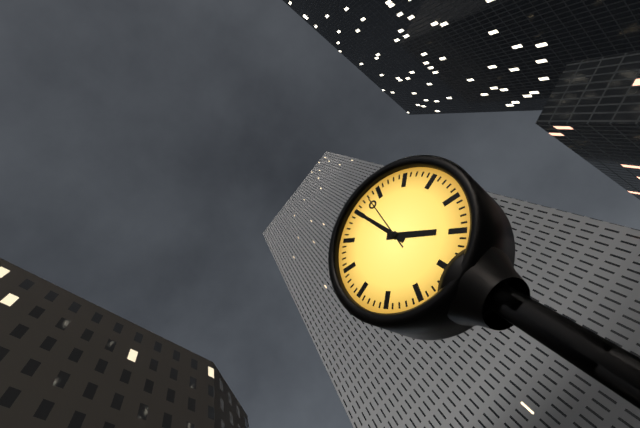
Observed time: 5:00:03
